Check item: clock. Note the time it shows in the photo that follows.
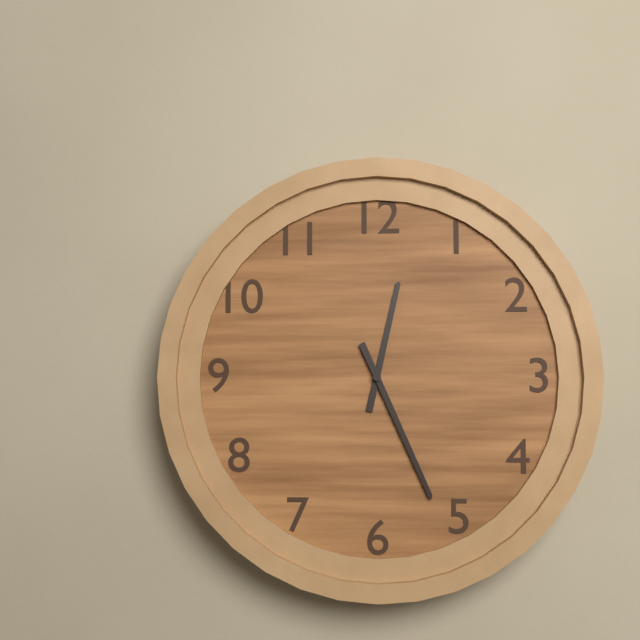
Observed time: 12:26
